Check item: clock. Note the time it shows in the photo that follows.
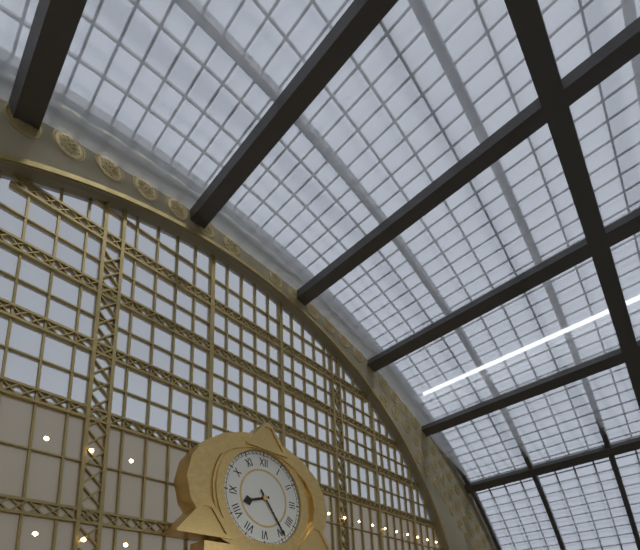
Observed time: 8:24
